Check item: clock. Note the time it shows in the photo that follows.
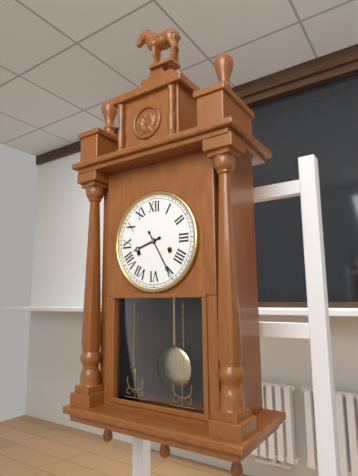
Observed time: 8:25
